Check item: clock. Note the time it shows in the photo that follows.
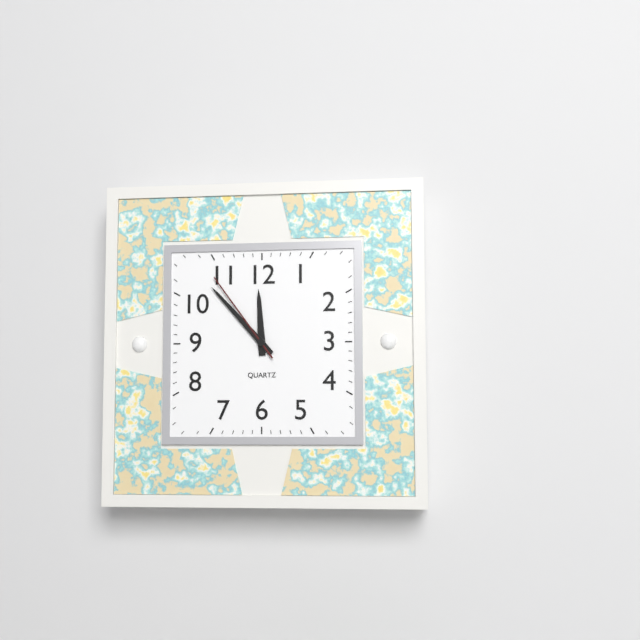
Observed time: 11:53:54
